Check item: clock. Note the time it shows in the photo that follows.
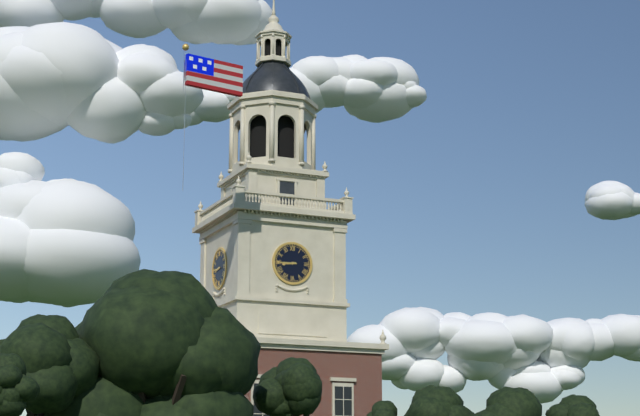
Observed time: 8:45
